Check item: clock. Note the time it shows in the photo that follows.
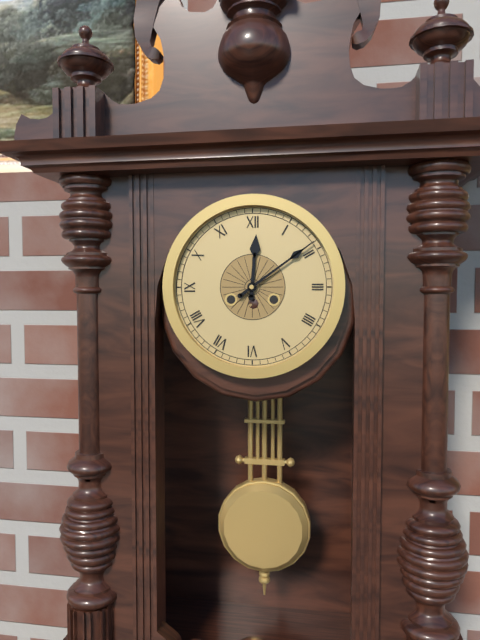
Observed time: 12:09
